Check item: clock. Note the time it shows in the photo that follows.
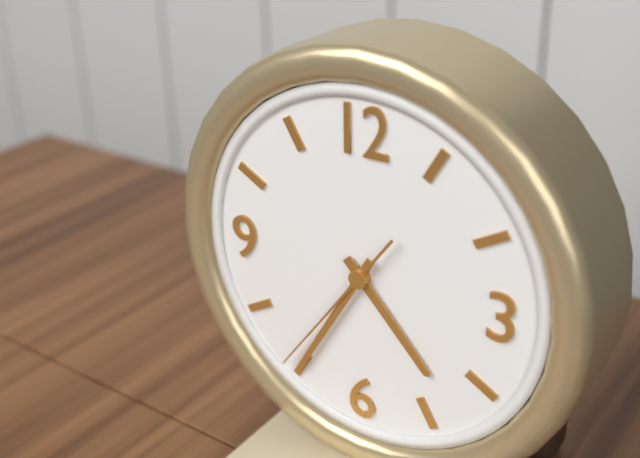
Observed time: 4:35:36
